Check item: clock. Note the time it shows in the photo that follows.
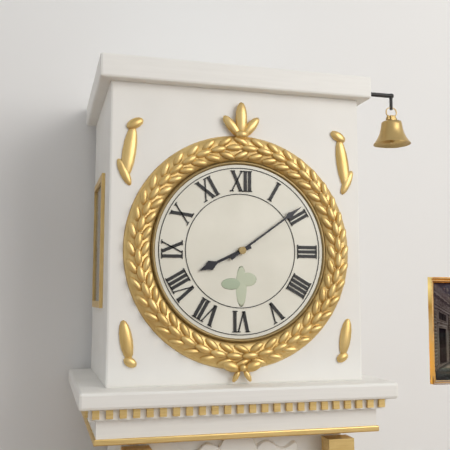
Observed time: 8:09
